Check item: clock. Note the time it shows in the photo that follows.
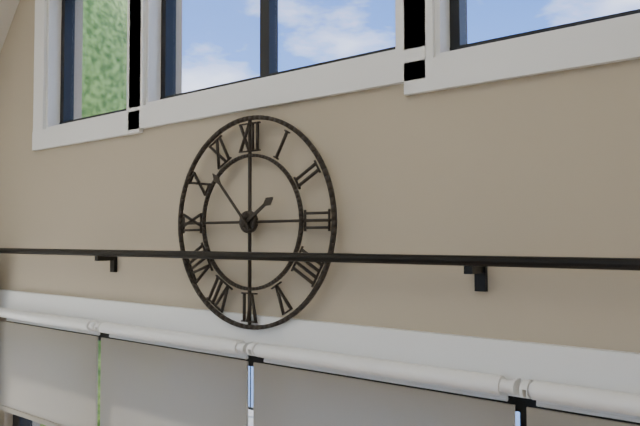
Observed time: 1:53
